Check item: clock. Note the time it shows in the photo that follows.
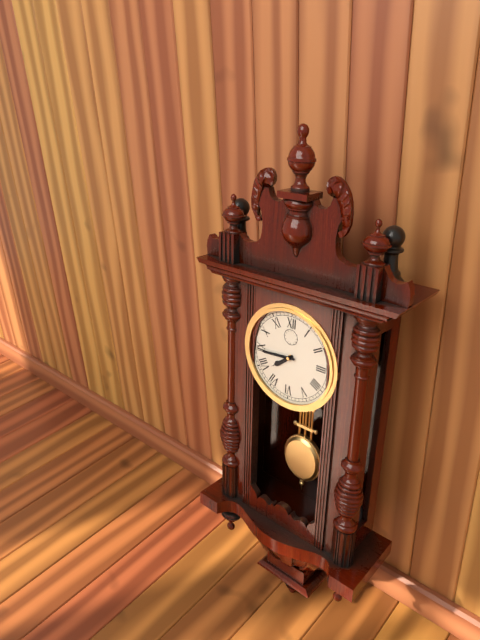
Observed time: 7:44
